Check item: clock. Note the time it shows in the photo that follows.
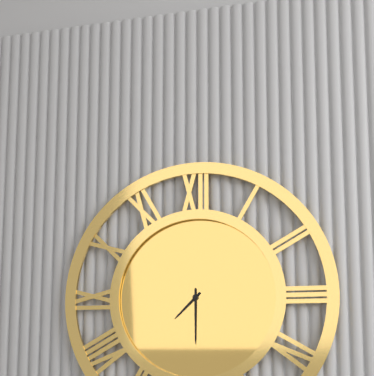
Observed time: 7:30
